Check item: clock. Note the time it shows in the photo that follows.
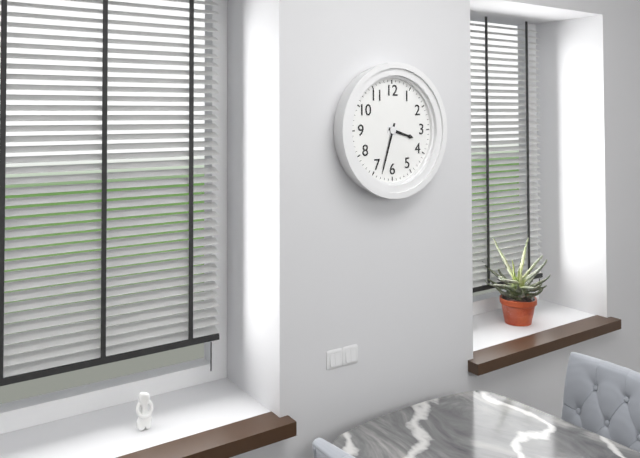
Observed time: 3:33
